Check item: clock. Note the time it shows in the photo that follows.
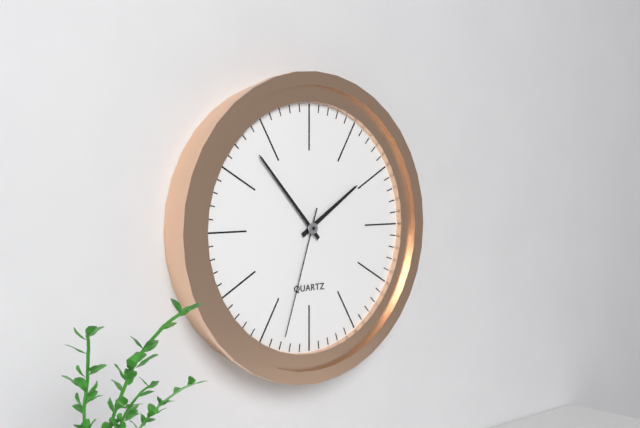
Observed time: 1:53:33
